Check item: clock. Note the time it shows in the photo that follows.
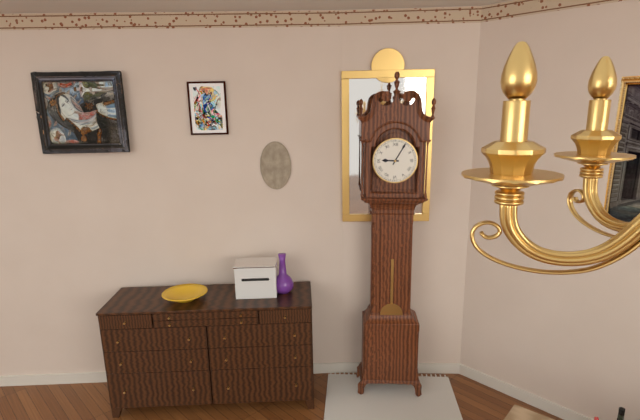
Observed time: 9:05
